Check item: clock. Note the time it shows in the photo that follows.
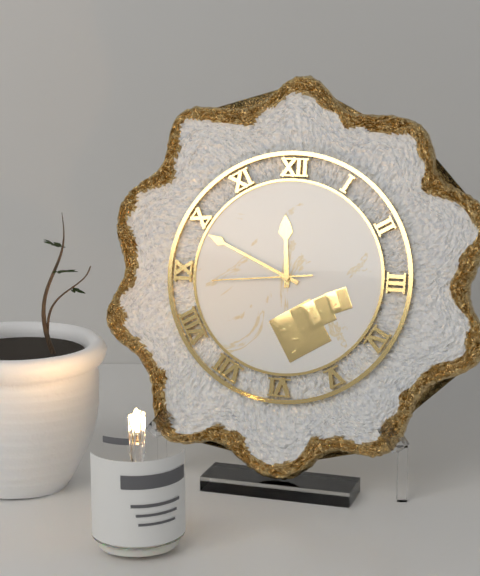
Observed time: 11:49:44
